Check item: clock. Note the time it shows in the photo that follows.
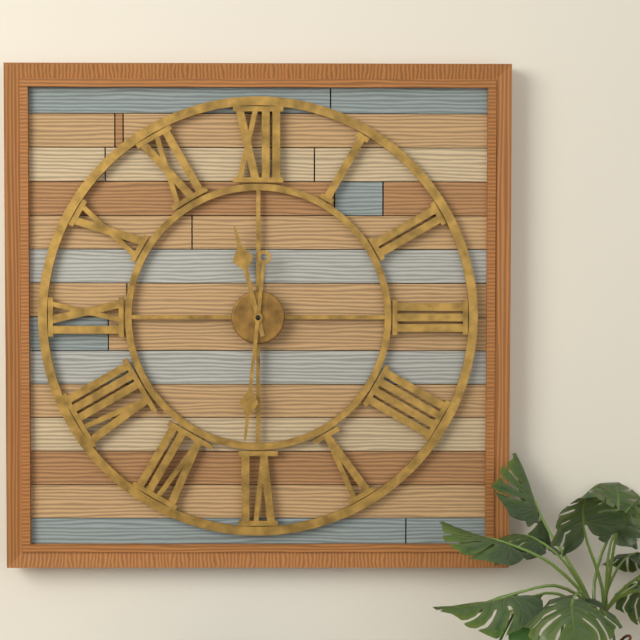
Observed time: 11:31
